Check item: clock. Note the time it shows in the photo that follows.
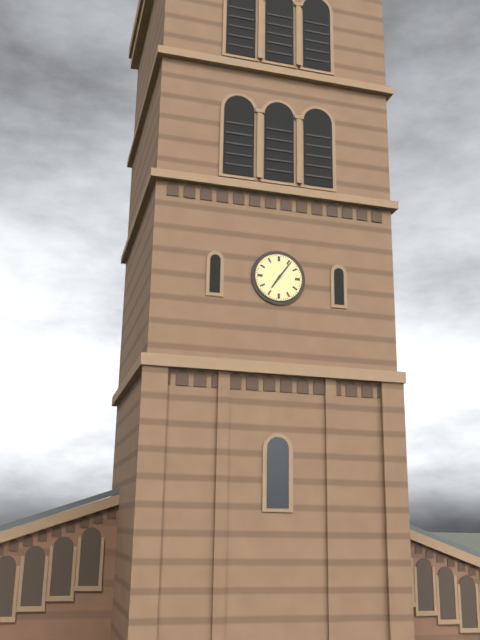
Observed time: 7:06
